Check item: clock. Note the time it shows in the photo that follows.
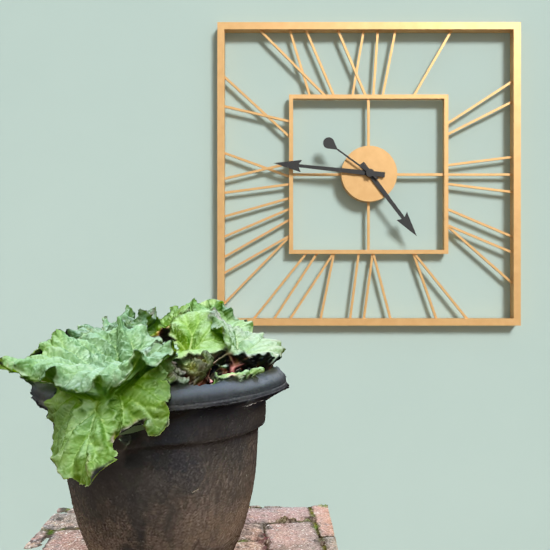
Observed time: 4:46:51
